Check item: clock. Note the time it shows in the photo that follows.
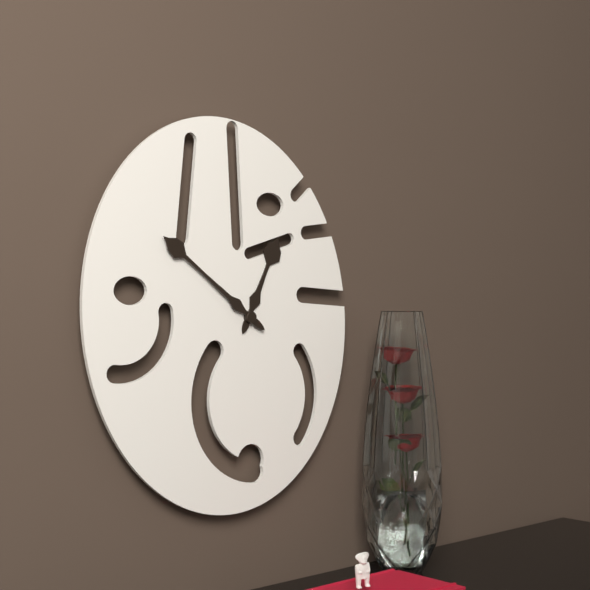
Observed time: 12:51
